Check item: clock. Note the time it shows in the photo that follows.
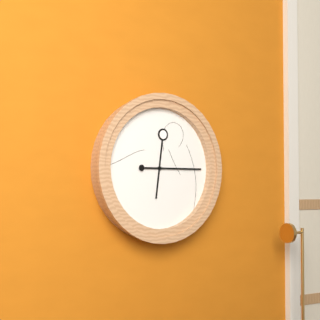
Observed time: 6:15
